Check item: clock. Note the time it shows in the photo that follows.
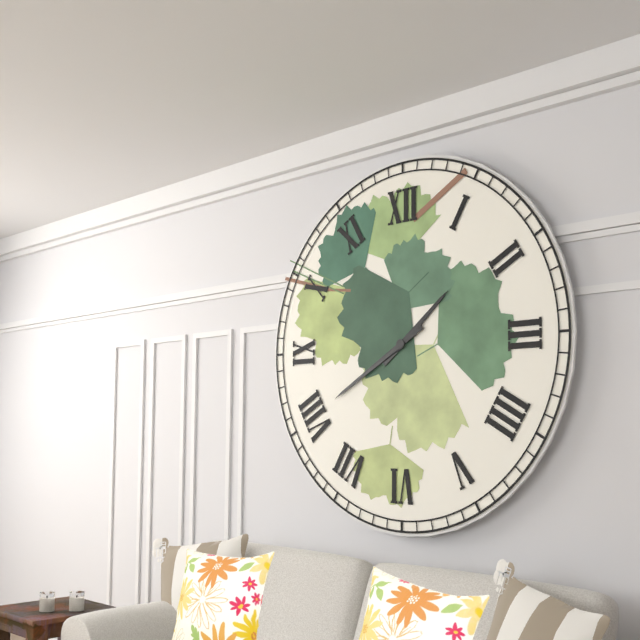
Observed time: 1:40
